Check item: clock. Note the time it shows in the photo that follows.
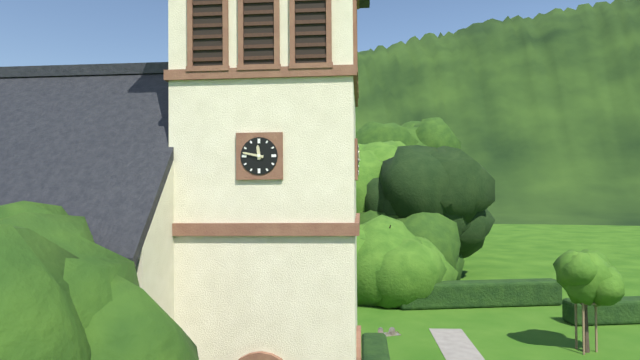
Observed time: 11:47
